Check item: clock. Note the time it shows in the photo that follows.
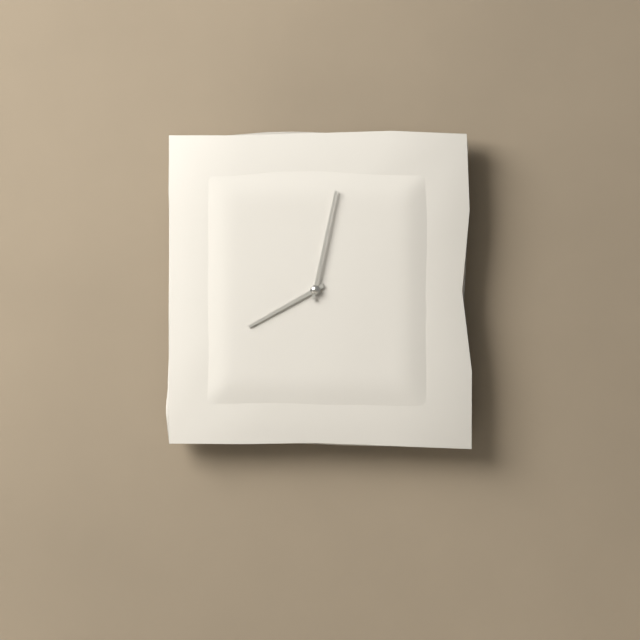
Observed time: 8:02
